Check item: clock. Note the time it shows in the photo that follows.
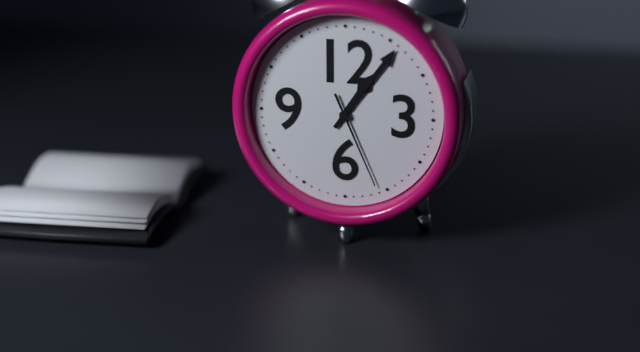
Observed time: 1:06:26
